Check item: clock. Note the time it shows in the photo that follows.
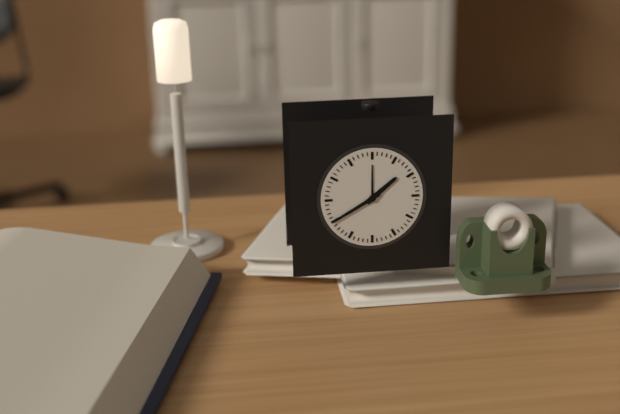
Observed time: 1:40
